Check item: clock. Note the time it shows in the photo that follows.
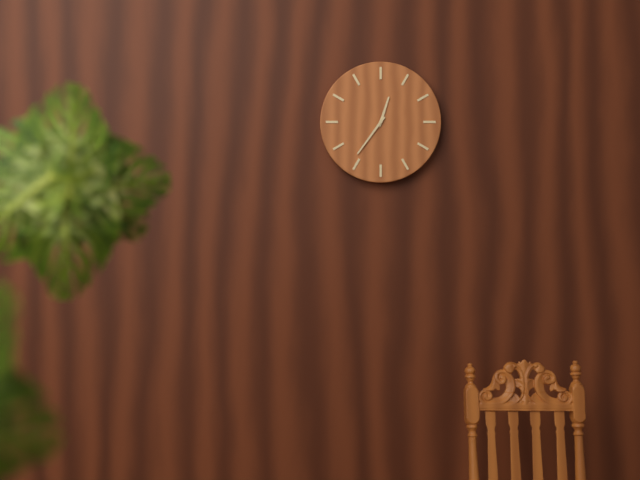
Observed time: 12:36
